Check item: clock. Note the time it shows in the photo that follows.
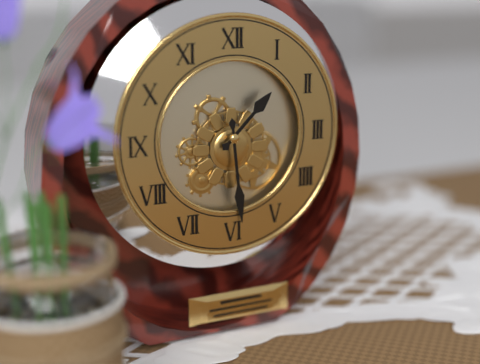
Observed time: 1:29
